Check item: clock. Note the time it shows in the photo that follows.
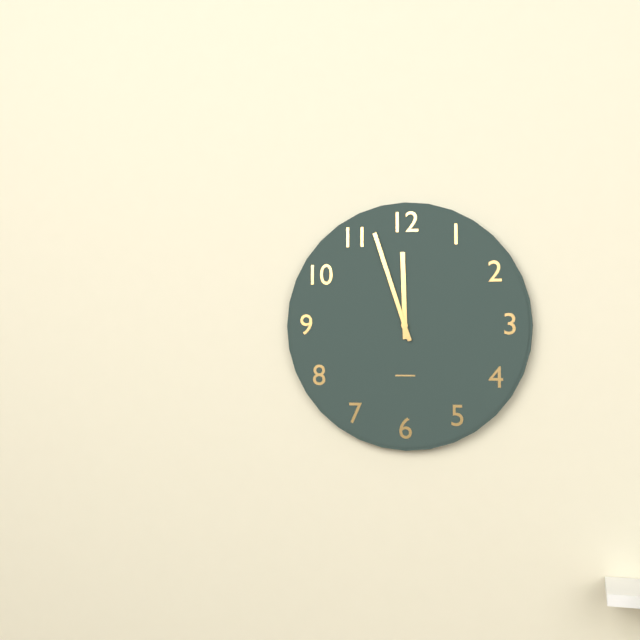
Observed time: 11:57
